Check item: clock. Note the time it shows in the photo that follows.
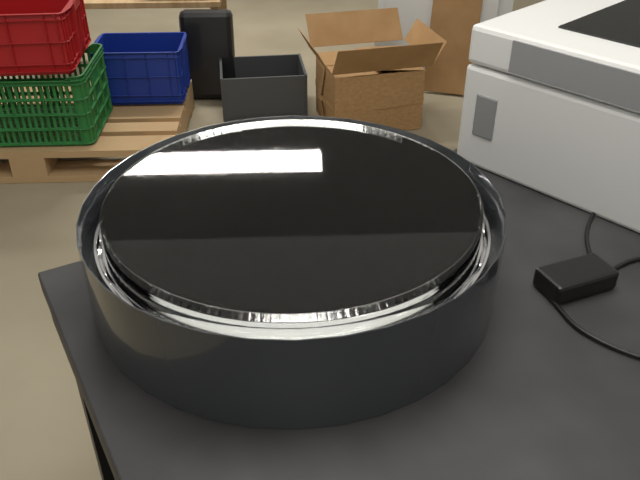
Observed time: 10:39
